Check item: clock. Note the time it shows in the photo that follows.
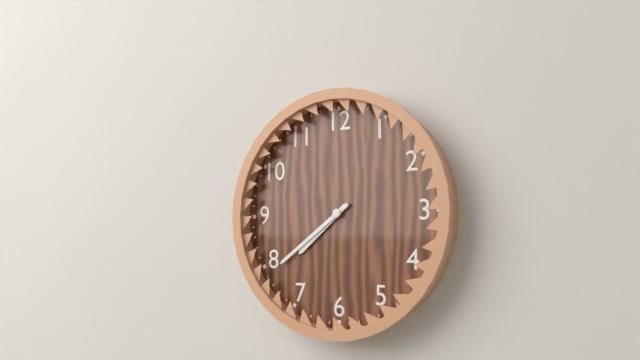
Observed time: 7:39
